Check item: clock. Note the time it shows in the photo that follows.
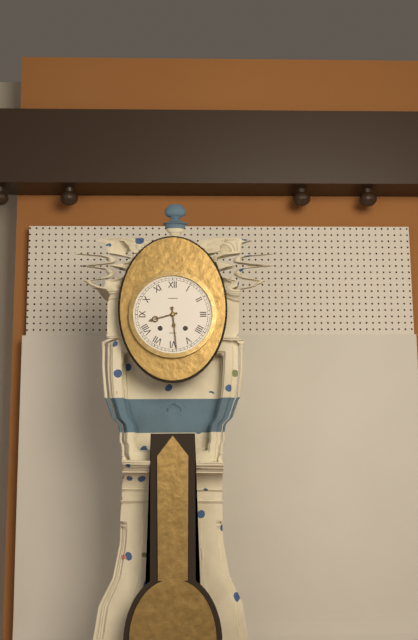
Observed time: 8:29
